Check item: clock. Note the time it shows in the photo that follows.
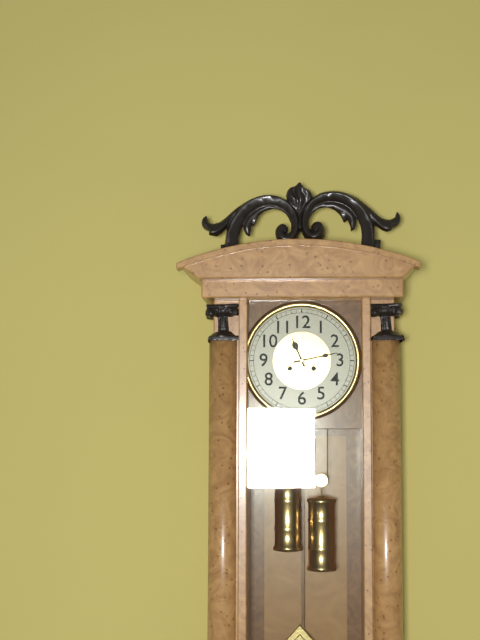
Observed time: 11:13
